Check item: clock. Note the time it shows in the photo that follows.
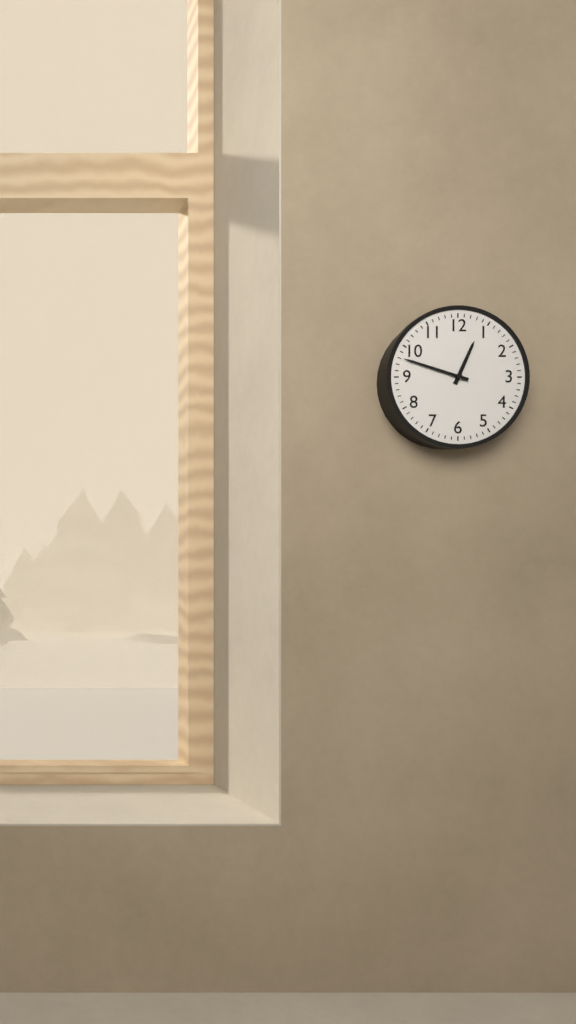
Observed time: 12:48
